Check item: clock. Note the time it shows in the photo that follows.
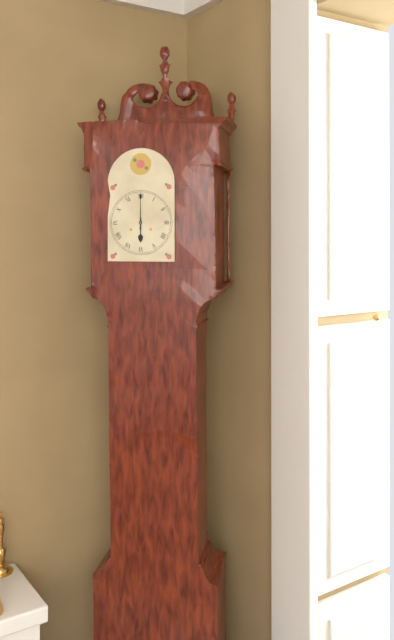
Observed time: 6:00
